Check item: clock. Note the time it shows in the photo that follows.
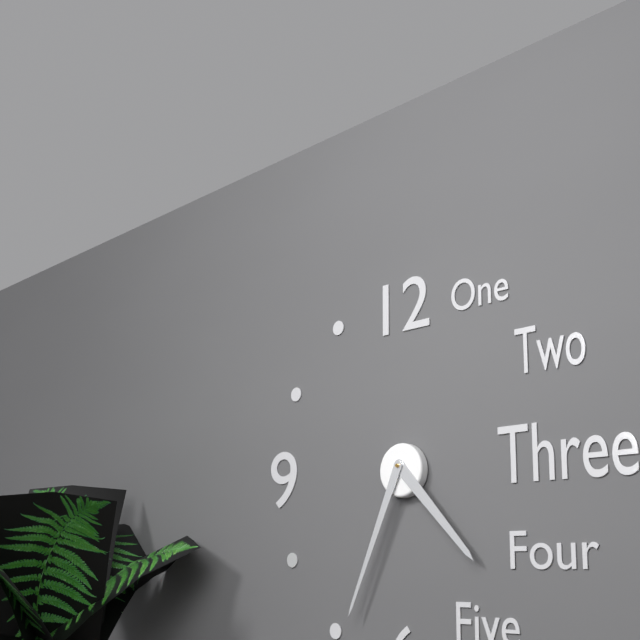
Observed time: 4:34
